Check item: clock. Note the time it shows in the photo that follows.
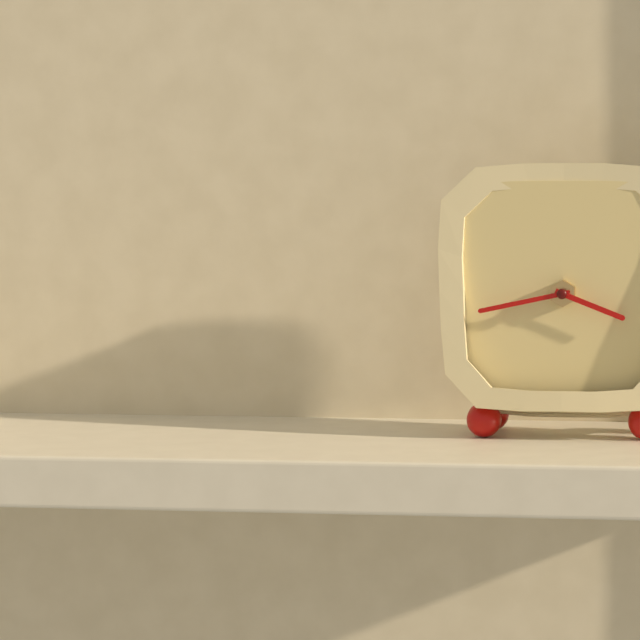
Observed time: 3:43
